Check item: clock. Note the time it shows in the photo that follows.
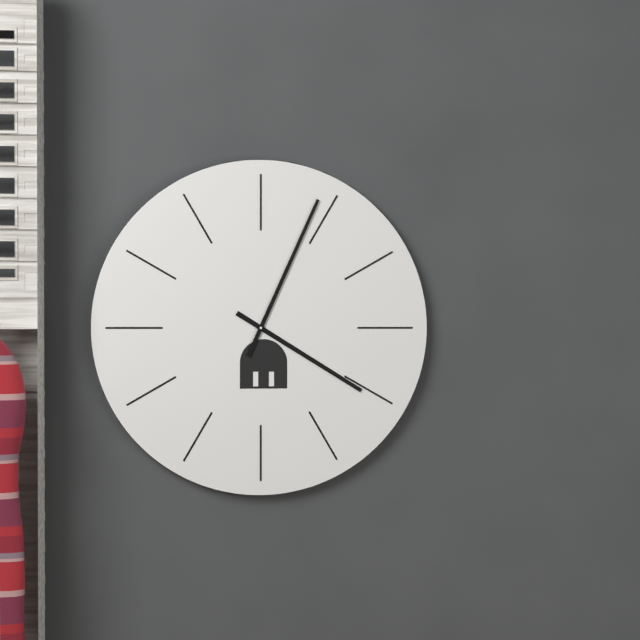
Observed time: 4:04
